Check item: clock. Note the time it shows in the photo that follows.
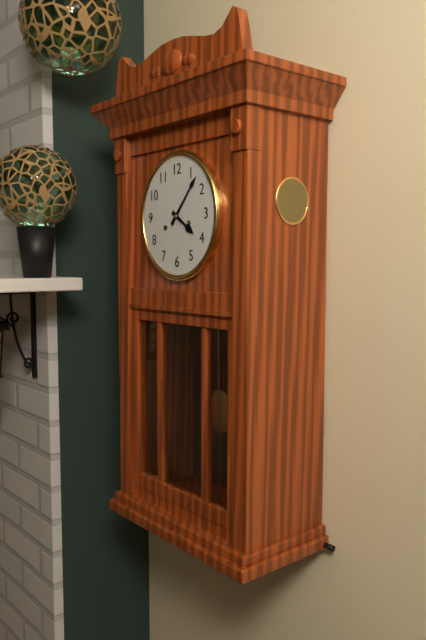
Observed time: 4:07
